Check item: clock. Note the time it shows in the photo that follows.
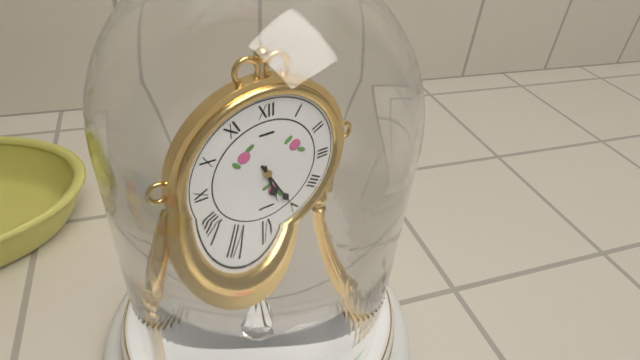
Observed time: 5:25
